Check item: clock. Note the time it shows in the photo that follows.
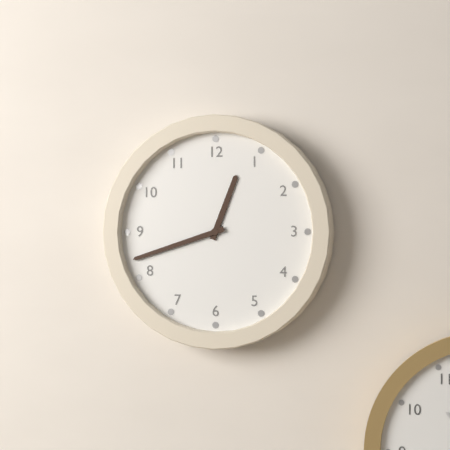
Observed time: 12:42
